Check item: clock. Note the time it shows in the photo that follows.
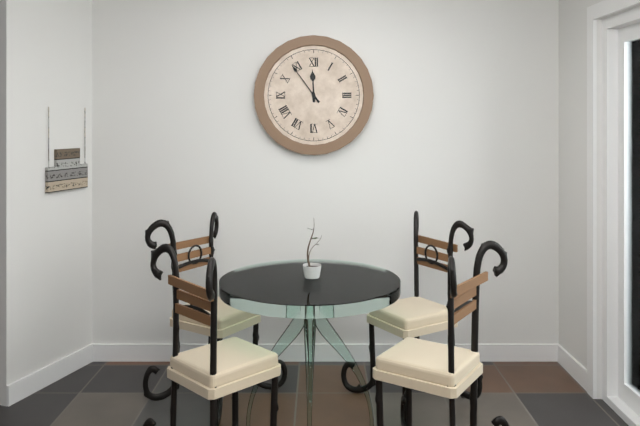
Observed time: 11:54
